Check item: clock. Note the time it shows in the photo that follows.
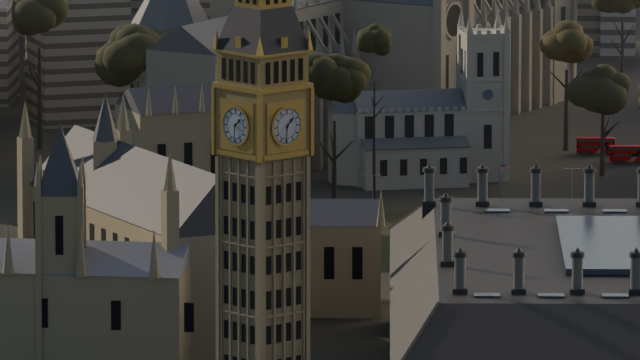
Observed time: 1:31
